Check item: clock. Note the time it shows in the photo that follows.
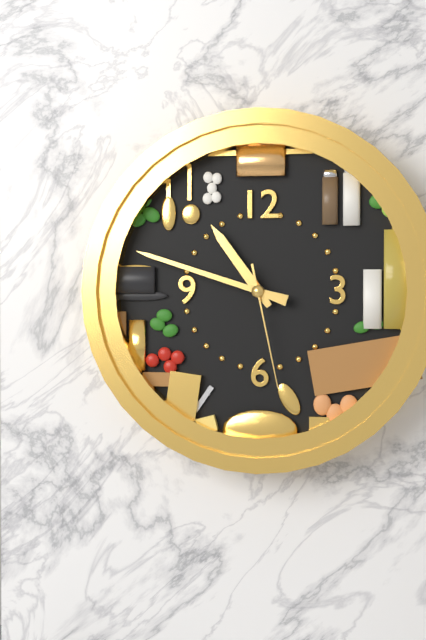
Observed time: 10:48:28
